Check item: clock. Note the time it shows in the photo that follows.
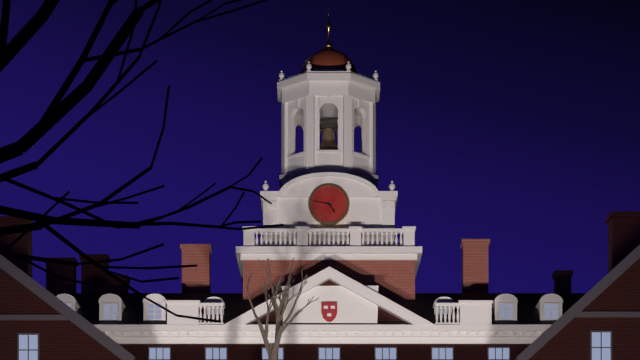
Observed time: 4:47
